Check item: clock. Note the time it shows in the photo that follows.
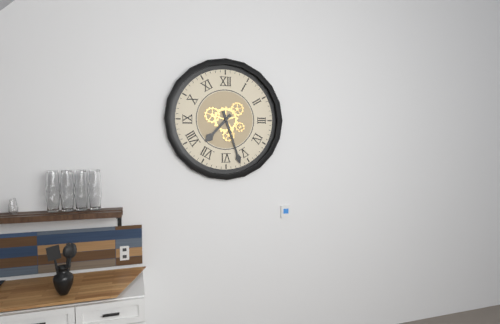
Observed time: 7:27
